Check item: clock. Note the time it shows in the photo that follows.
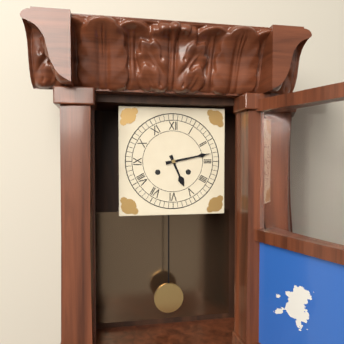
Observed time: 5:13
